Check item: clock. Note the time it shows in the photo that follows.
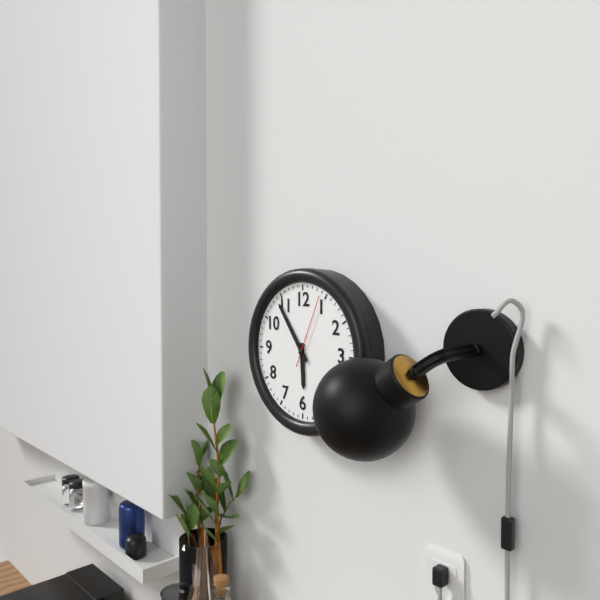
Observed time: 5:54:04
